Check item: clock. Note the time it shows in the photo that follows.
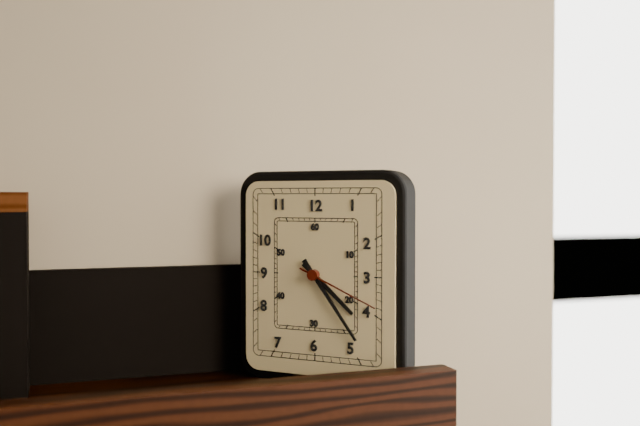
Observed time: 4:24:19
